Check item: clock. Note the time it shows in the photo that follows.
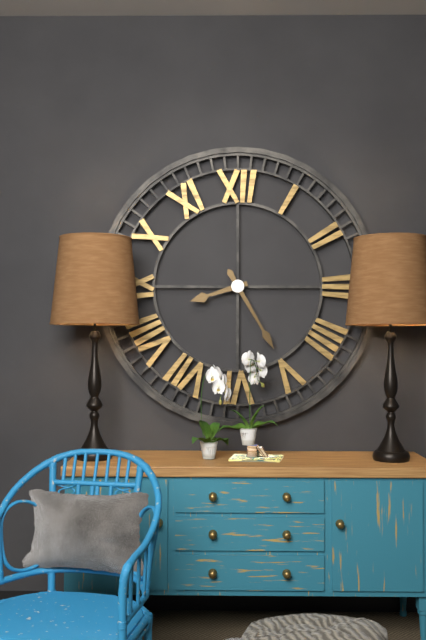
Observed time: 8:25
